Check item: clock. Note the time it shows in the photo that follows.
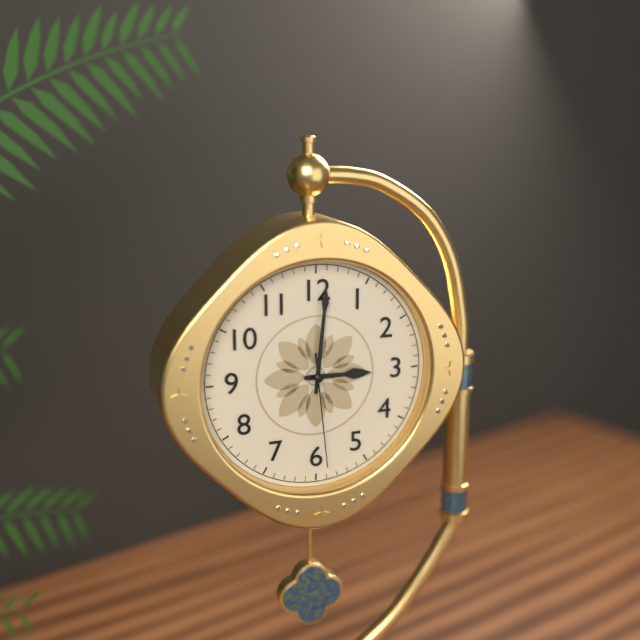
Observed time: 3:01:29
